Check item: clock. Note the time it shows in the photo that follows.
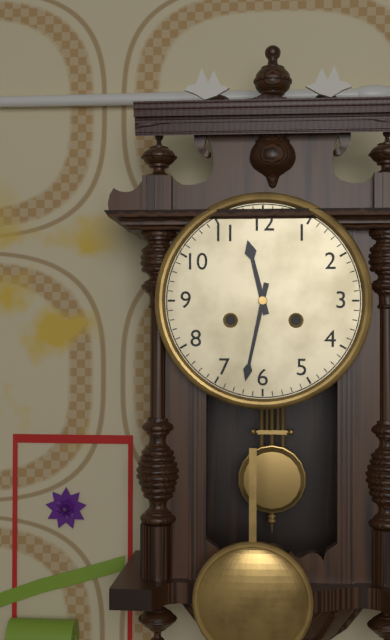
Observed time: 11:32
